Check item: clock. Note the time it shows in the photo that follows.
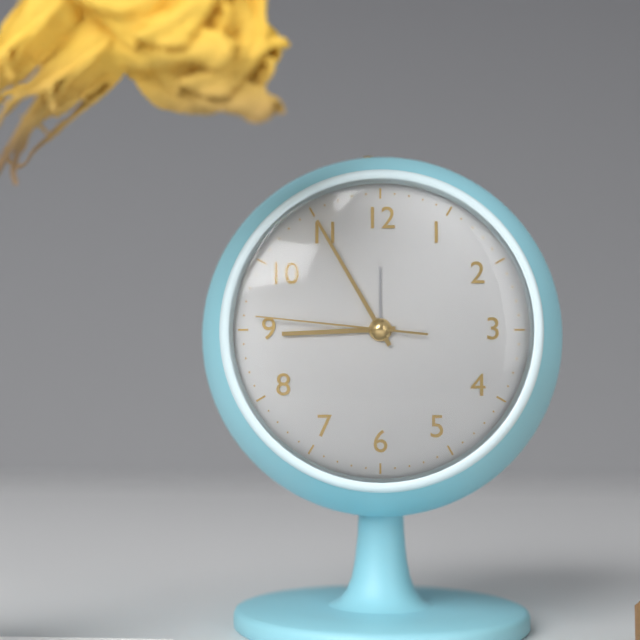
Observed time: 8:55:46
